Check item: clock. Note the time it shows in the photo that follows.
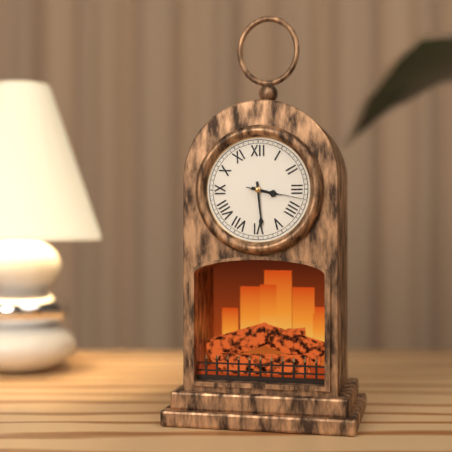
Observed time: 3:29
